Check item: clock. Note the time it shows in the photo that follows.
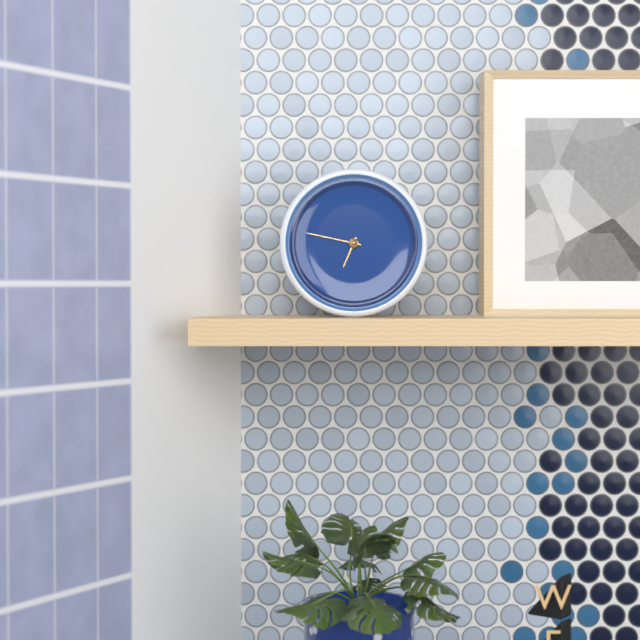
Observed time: 6:47
